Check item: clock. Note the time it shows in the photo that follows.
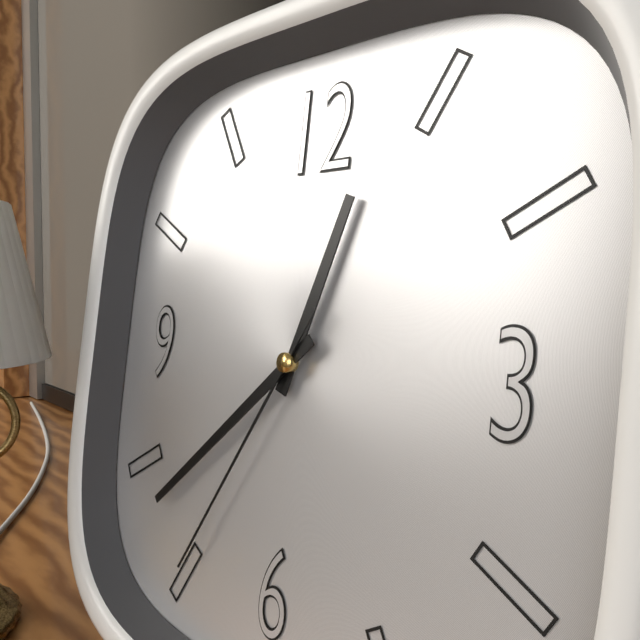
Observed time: 12:38:35
